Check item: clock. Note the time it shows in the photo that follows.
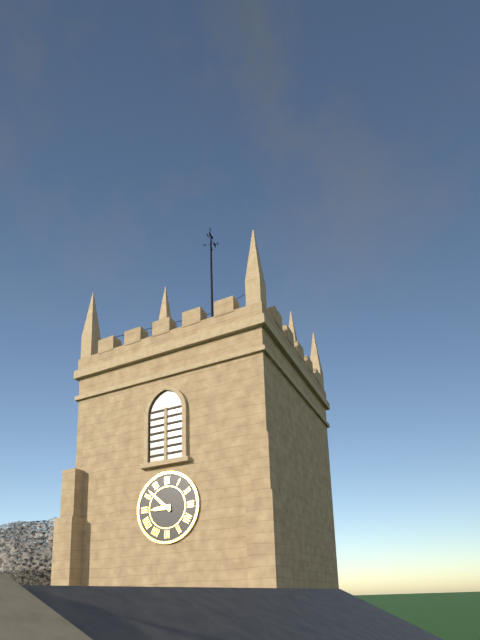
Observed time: 8:52
